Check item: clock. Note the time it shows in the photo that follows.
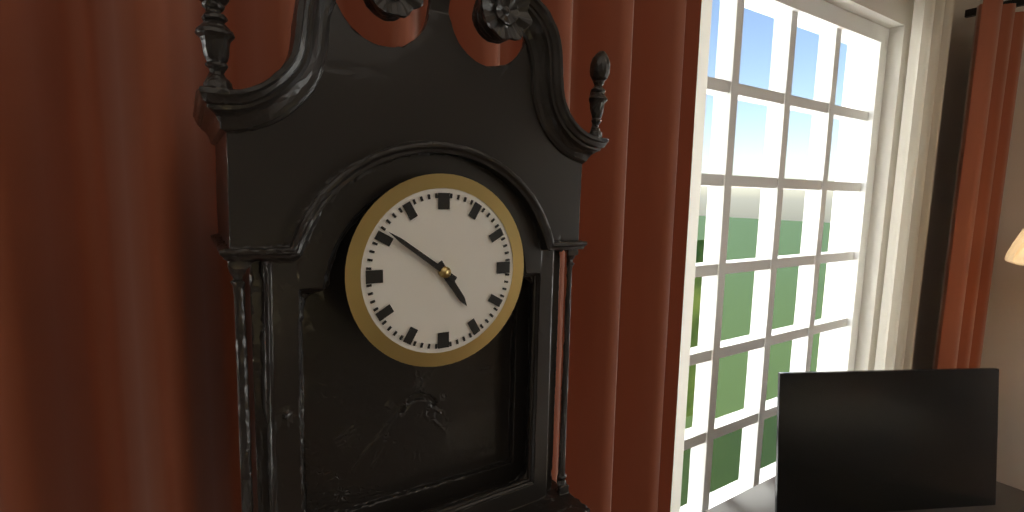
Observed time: 4:51
